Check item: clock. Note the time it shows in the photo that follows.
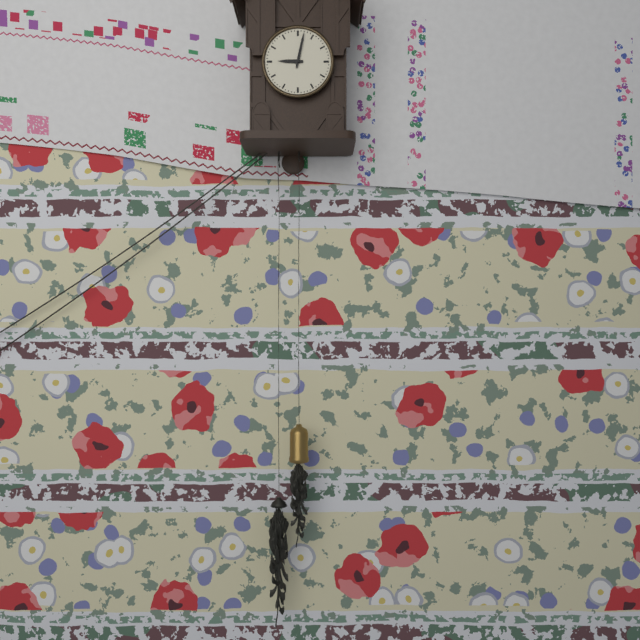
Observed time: 9:02
